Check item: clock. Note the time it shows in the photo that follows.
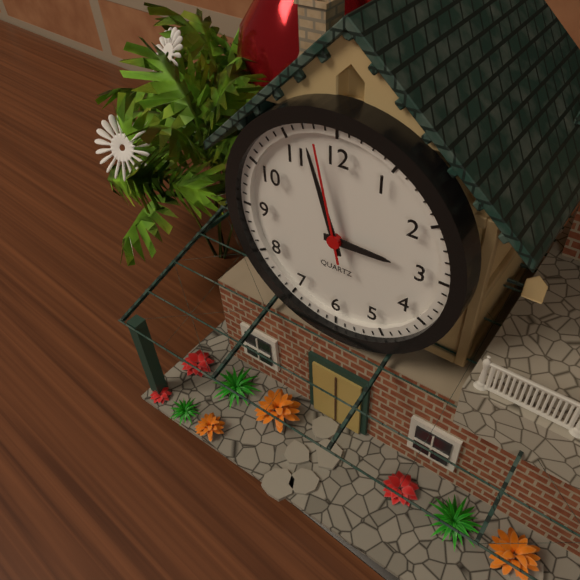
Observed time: 2:57:58
